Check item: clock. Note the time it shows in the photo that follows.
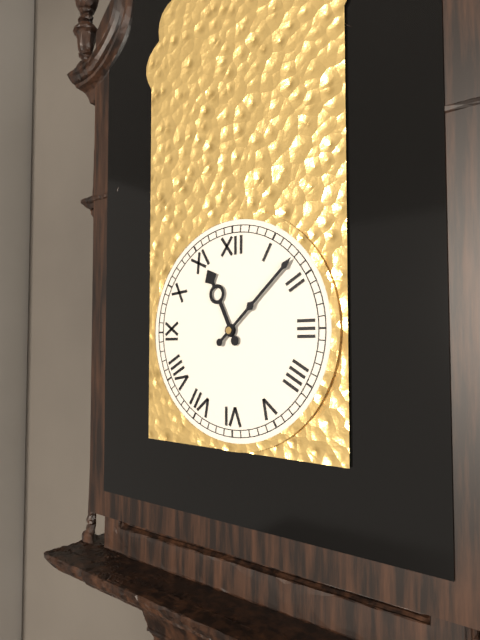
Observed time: 11:08
